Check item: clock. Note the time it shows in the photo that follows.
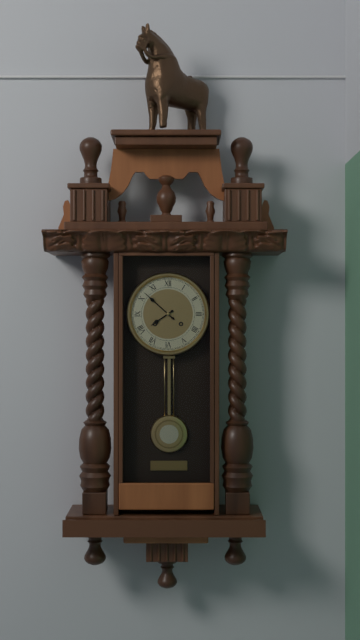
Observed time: 7:52
